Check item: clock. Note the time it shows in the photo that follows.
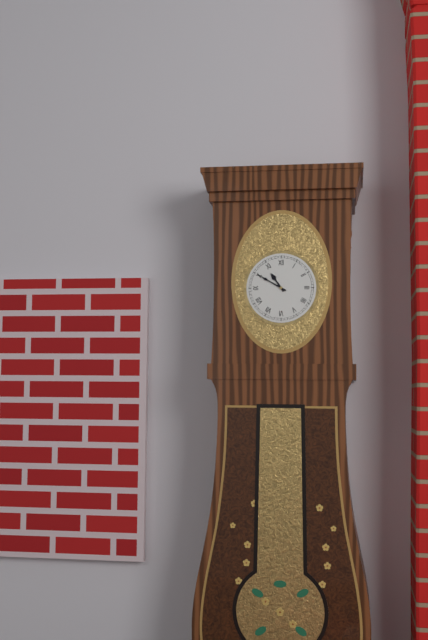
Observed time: 10:50
